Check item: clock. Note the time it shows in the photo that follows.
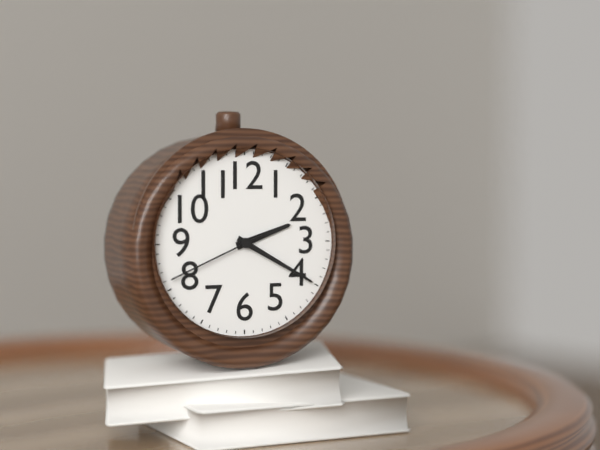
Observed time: 2:20:41
